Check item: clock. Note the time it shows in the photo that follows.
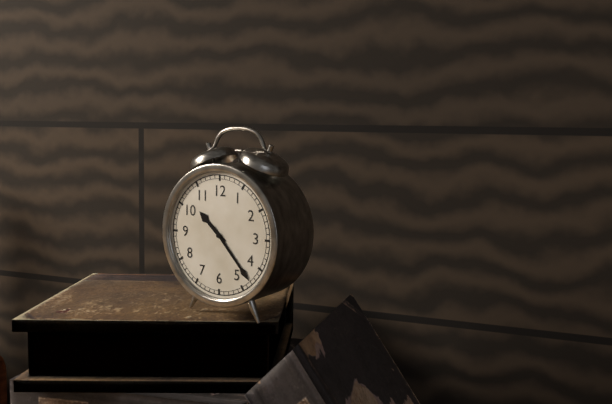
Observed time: 10:23
